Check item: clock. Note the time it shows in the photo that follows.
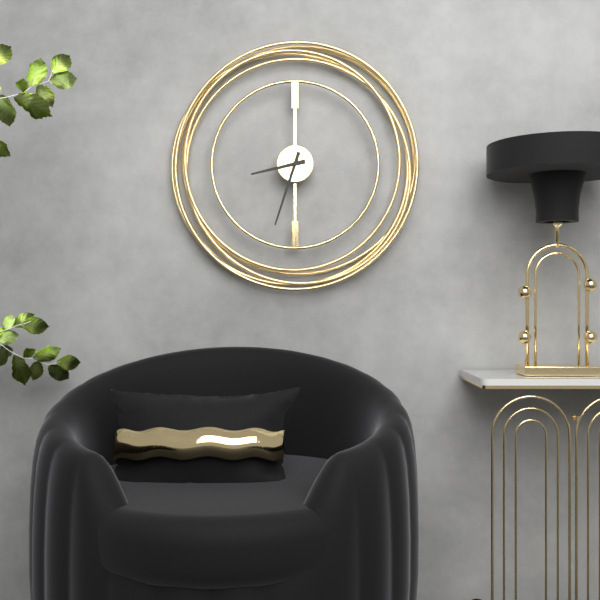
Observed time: 8:33
